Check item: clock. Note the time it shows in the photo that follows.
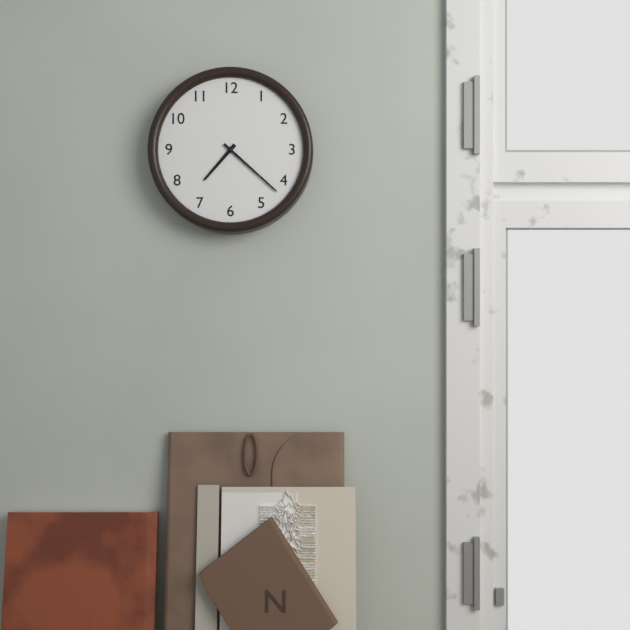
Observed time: 7:22
